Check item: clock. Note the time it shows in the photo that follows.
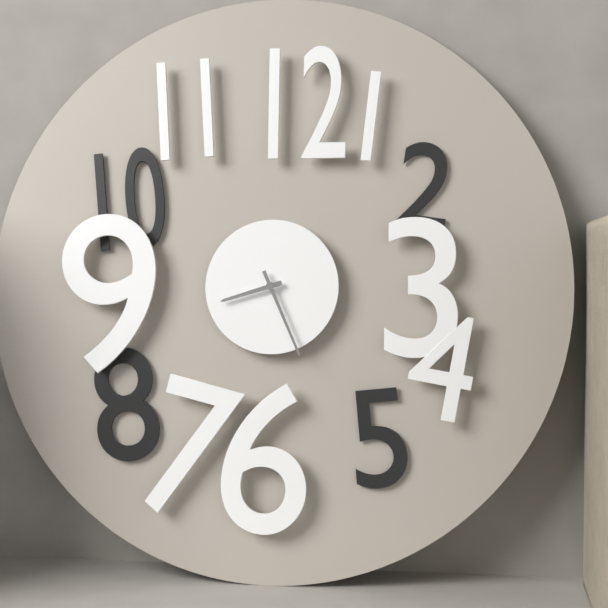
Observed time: 8:26
